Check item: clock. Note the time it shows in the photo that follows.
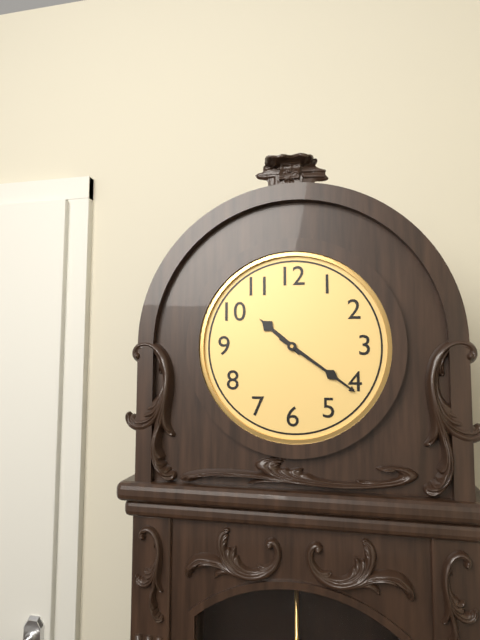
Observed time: 10:21
